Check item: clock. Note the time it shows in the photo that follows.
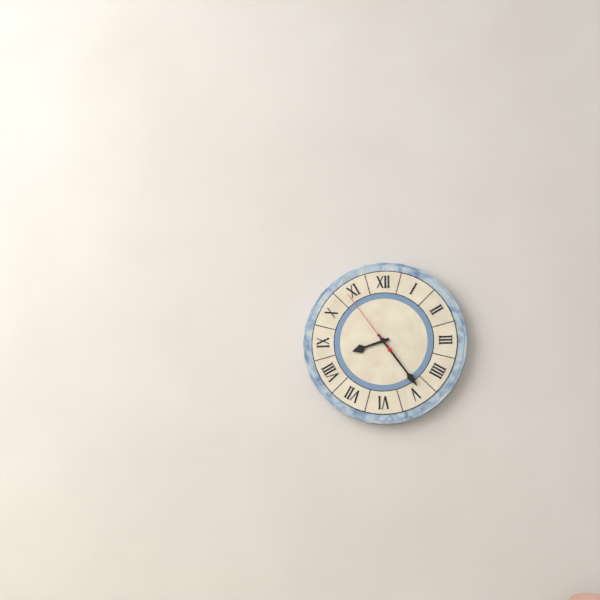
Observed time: 8:24:54
